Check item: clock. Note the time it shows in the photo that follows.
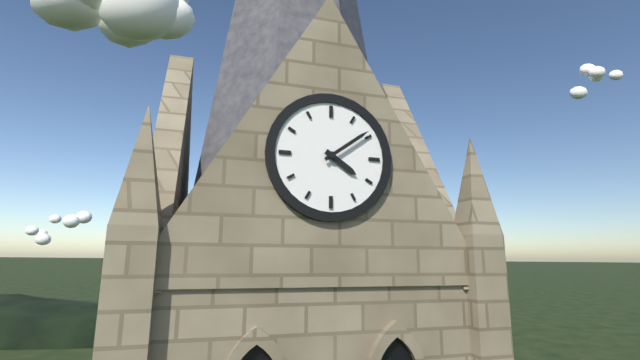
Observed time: 4:09
